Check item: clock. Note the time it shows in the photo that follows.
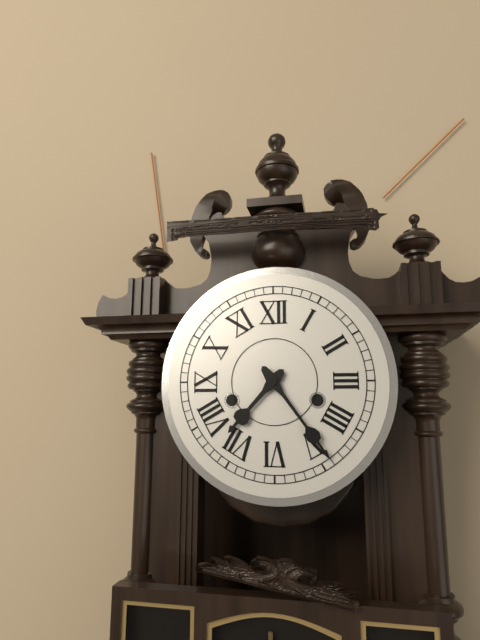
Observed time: 7:24
